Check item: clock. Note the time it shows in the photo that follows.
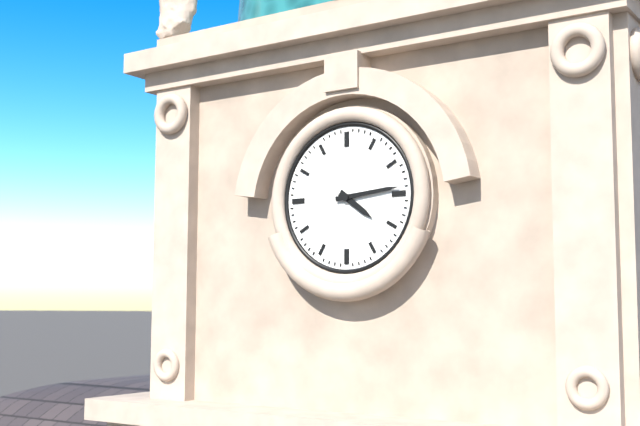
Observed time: 4:14
